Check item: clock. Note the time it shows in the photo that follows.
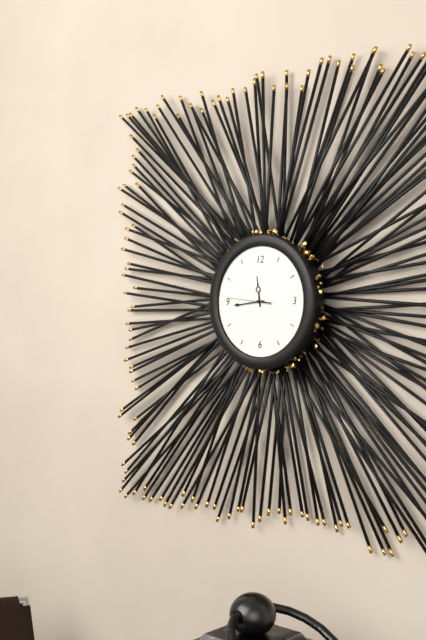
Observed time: 11:44
